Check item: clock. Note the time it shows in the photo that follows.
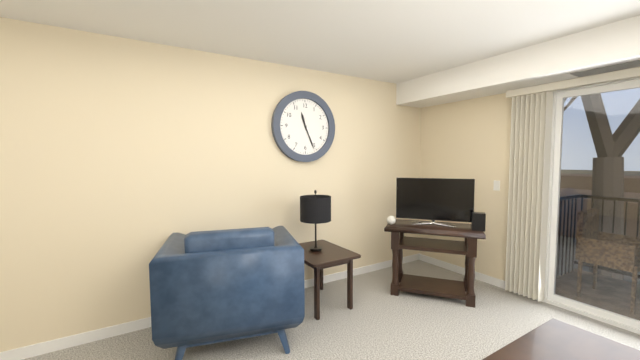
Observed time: 11:26
